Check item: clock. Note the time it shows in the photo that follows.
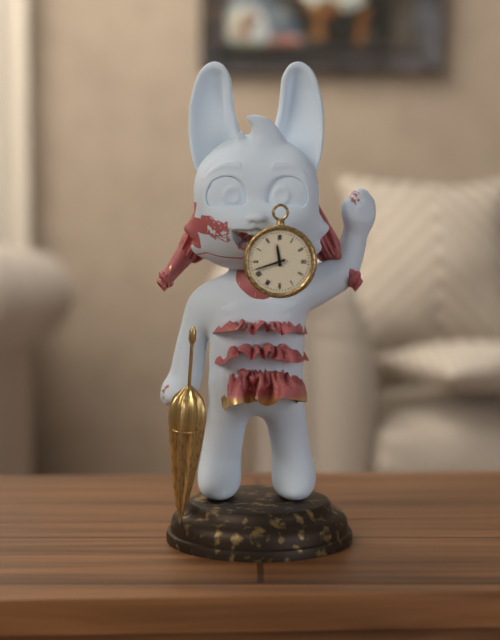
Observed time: 11:42
